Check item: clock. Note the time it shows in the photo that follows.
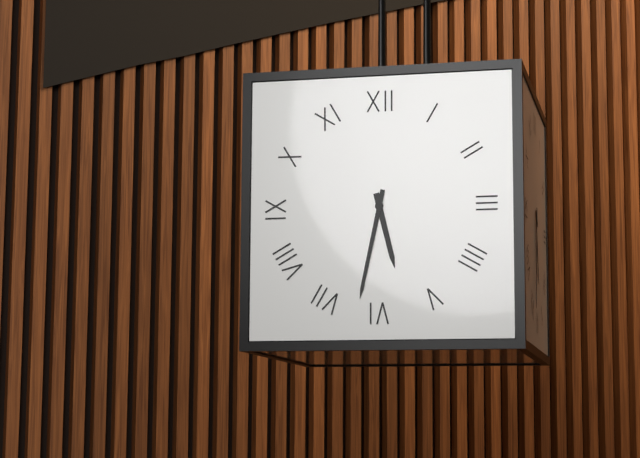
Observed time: 5:32
